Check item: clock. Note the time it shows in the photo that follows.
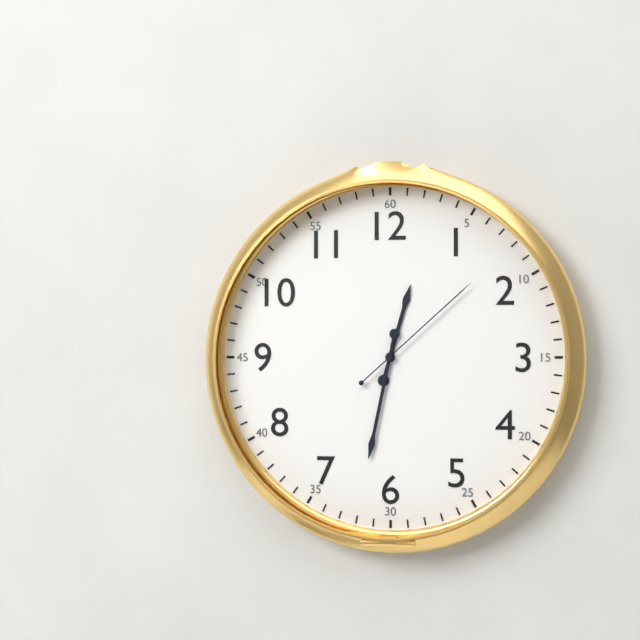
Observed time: 12:32:08
